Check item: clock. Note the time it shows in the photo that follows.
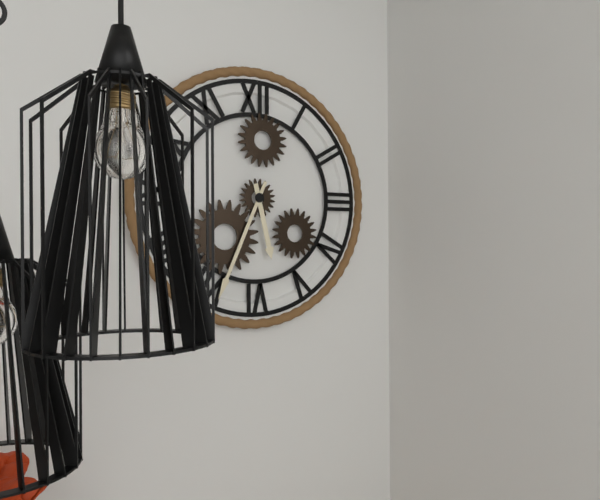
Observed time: 5:34
